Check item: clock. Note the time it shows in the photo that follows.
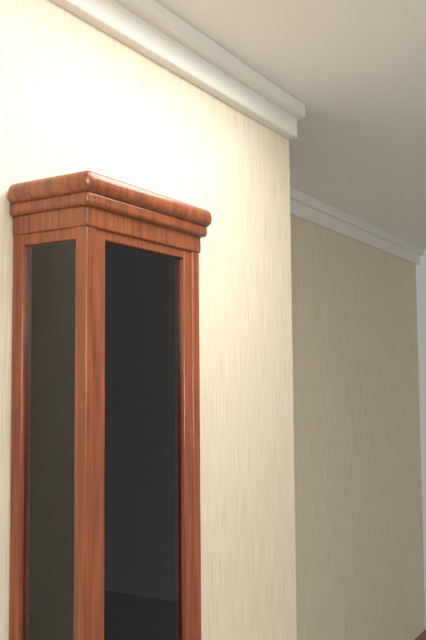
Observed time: 6:35
